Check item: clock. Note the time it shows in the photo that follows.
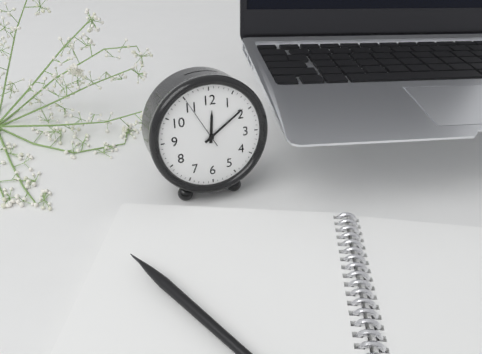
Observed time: 12:09:55
